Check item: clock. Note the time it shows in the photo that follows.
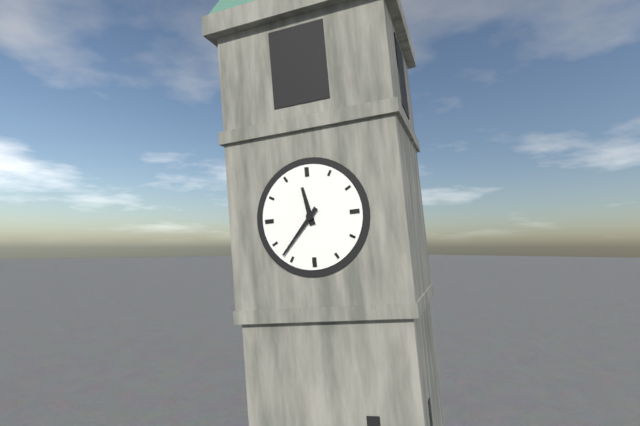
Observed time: 11:37
